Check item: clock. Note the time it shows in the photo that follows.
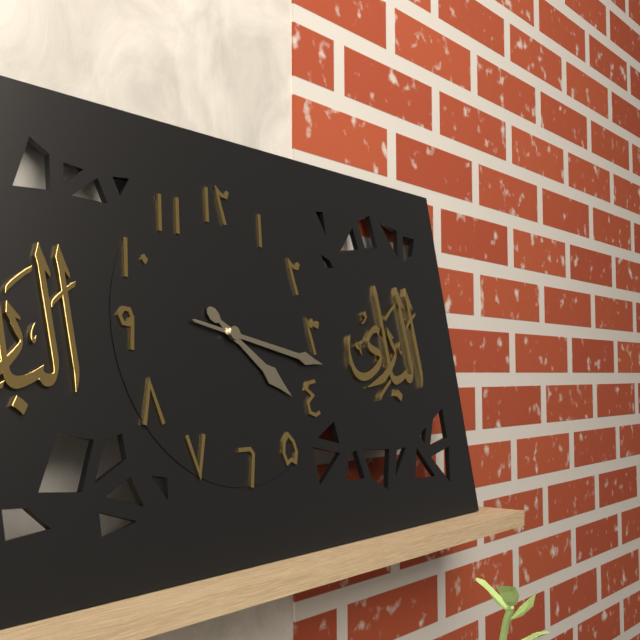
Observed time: 4:17
